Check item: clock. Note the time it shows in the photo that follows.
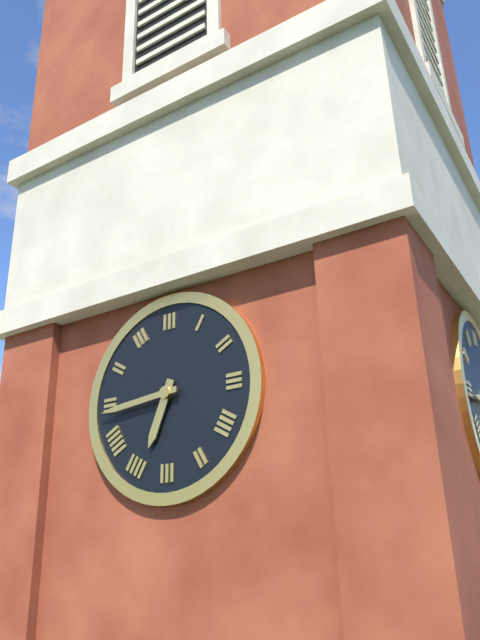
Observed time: 6:44
